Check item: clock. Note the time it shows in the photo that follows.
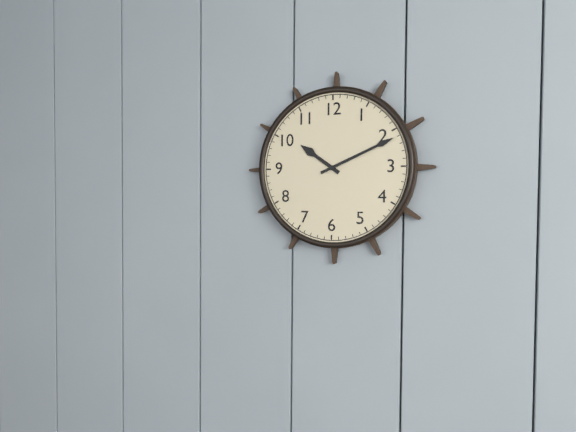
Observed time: 10:11
